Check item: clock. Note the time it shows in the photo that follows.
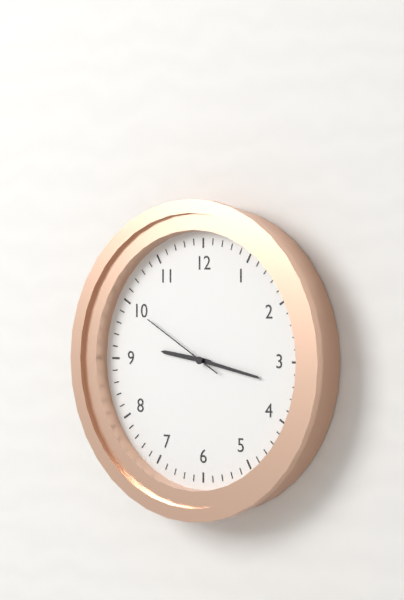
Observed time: 9:17:50
